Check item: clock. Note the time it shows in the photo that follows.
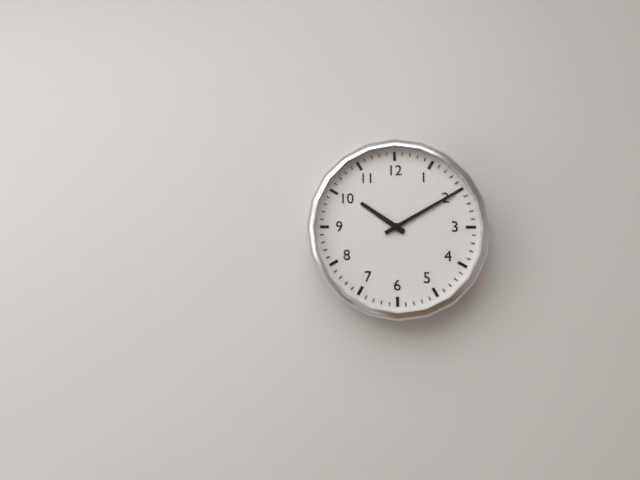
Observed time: 10:10
